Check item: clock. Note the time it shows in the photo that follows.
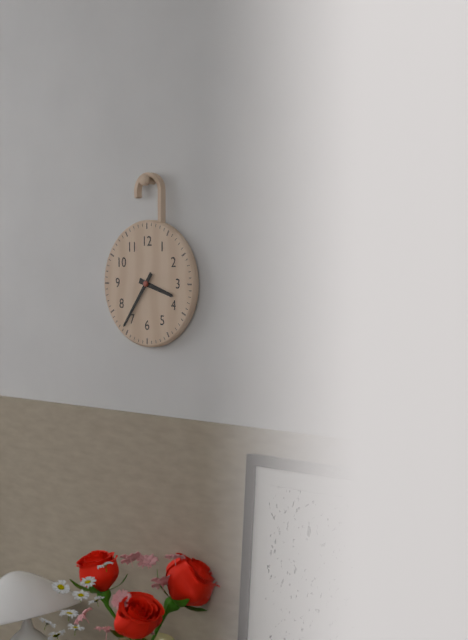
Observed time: 3:36
